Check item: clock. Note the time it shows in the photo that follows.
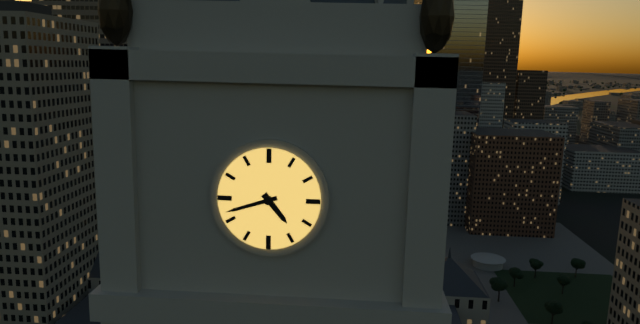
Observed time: 4:42
